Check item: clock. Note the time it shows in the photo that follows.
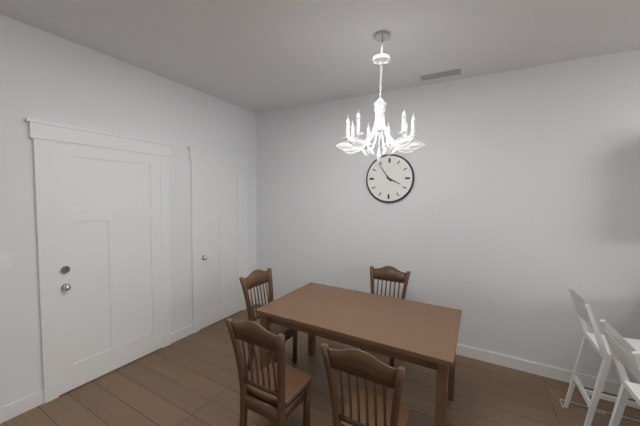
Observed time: 3:54
